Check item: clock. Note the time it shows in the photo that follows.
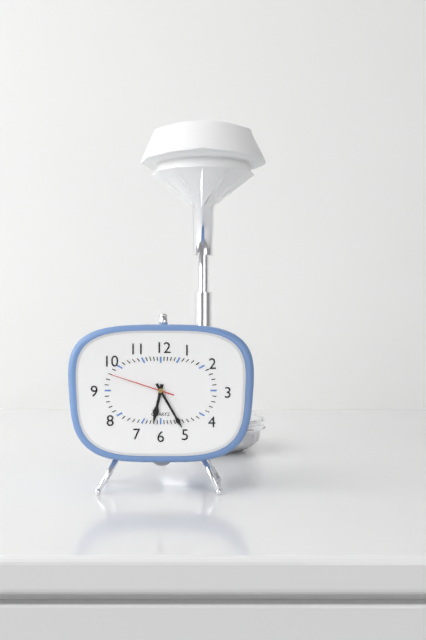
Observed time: 6:25:48
